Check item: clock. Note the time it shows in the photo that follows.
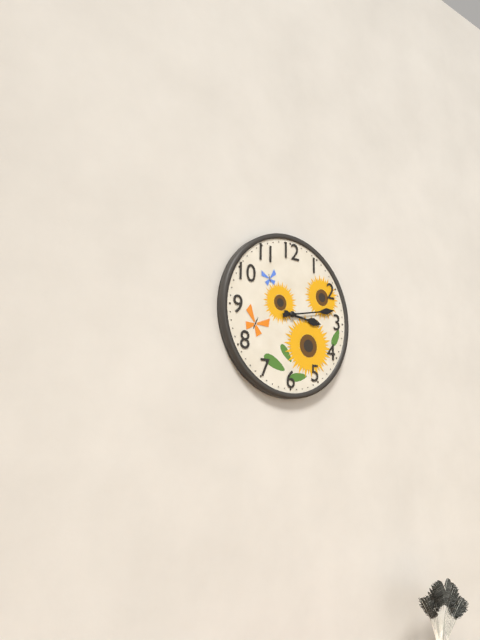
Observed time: 3:13
